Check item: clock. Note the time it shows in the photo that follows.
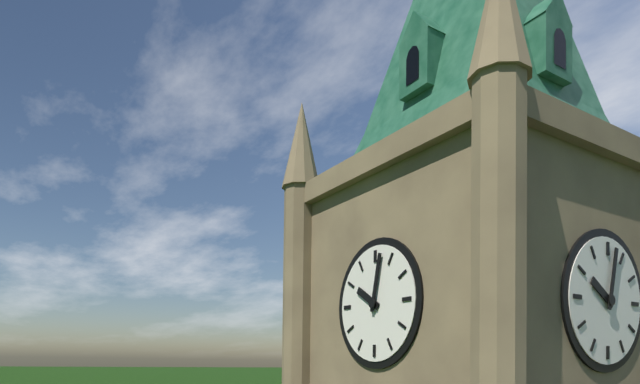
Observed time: 10:02
